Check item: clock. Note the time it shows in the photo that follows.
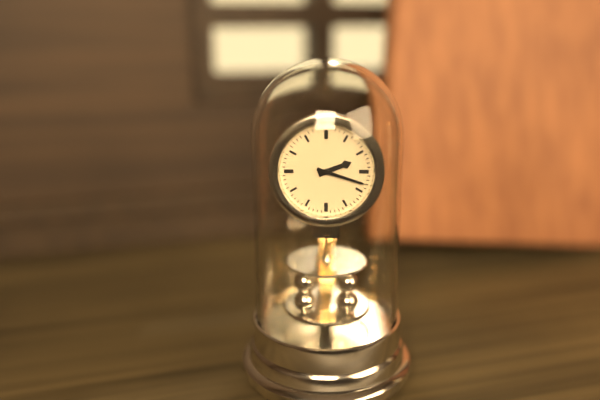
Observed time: 2:18
